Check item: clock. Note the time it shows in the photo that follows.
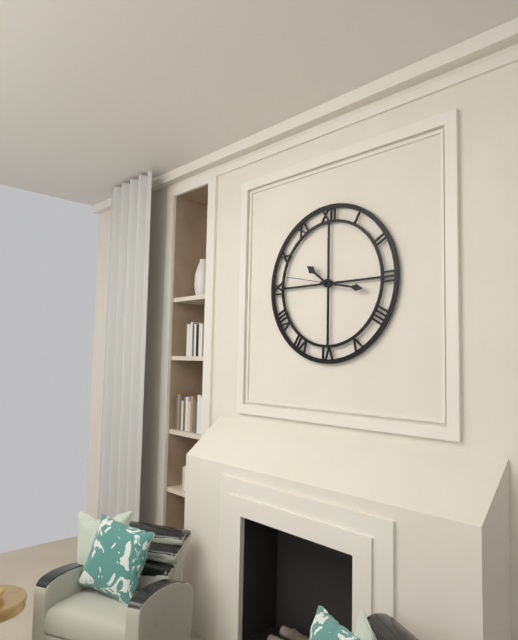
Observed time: 10:17:47
